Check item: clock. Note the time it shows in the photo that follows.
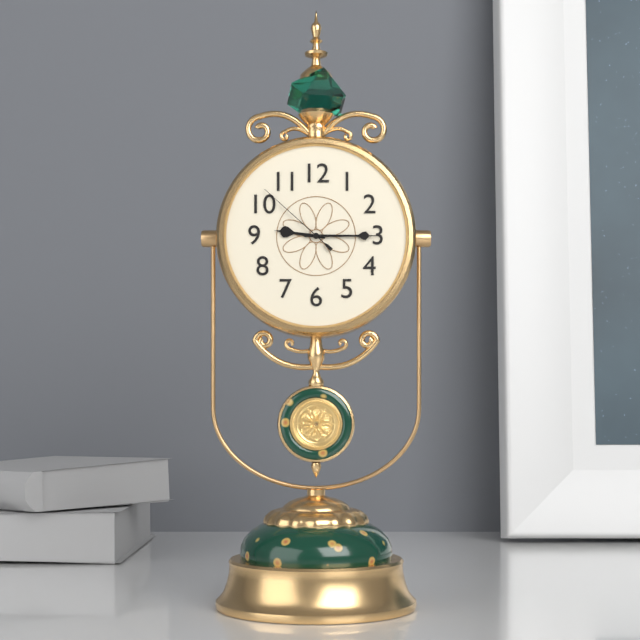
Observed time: 9:15:52
